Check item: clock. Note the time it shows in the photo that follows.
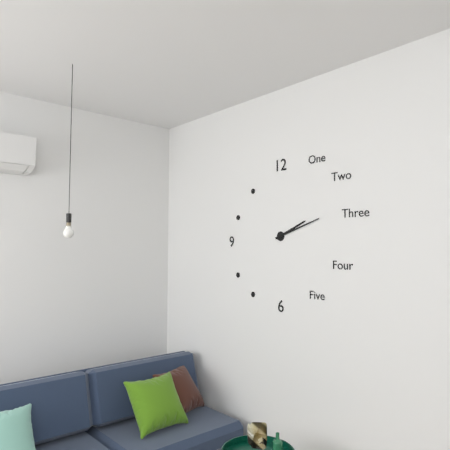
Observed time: 2:12
